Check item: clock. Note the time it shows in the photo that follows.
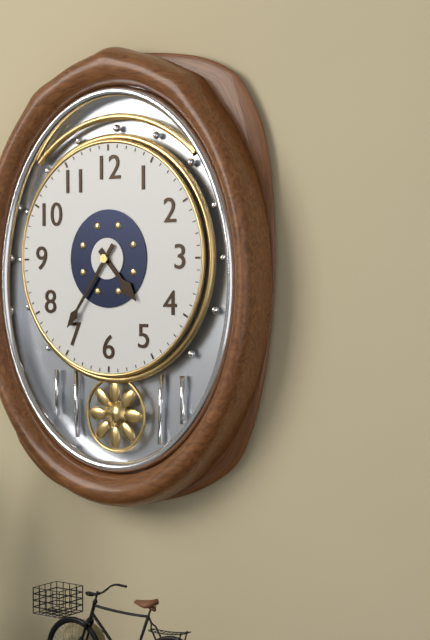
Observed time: 4:36
